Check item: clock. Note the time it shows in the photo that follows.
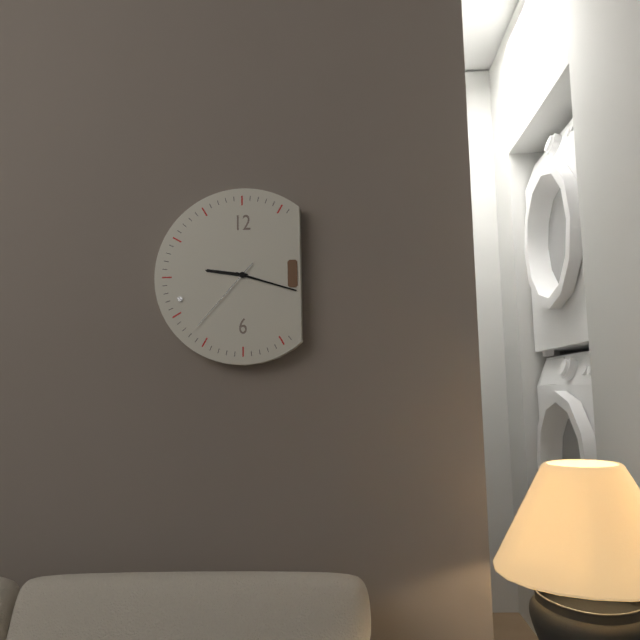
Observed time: 9:18:37
